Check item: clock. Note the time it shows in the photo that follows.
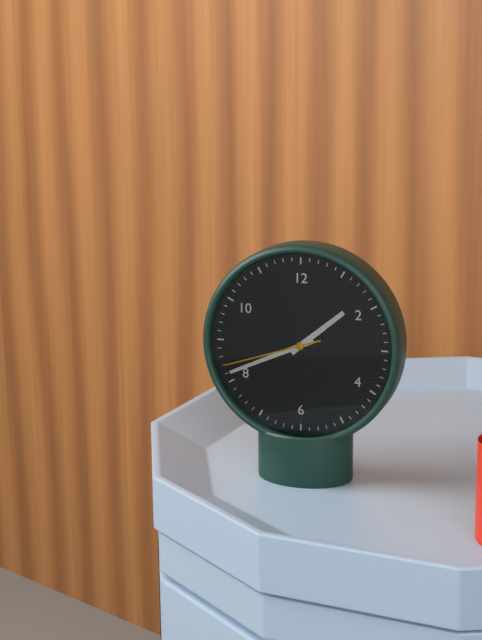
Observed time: 1:41:42
